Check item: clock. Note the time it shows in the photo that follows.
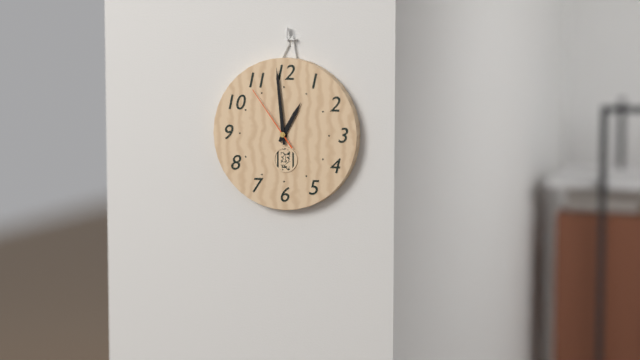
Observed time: 12:59:54
